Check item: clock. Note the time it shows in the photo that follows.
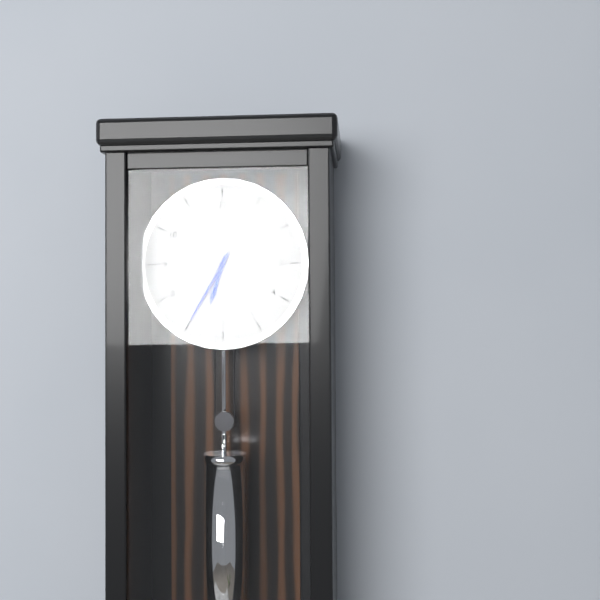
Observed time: 6:35
